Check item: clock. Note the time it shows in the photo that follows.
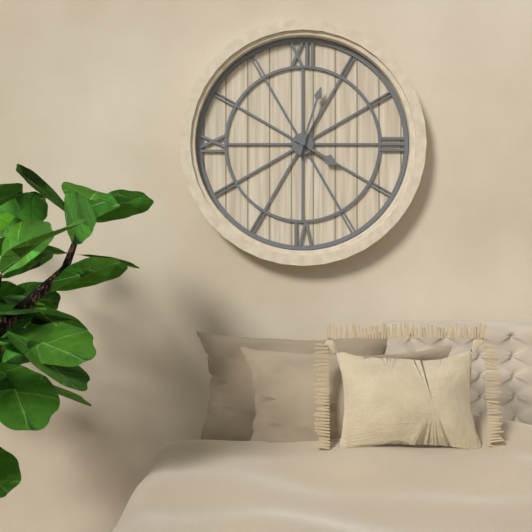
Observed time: 4:03
